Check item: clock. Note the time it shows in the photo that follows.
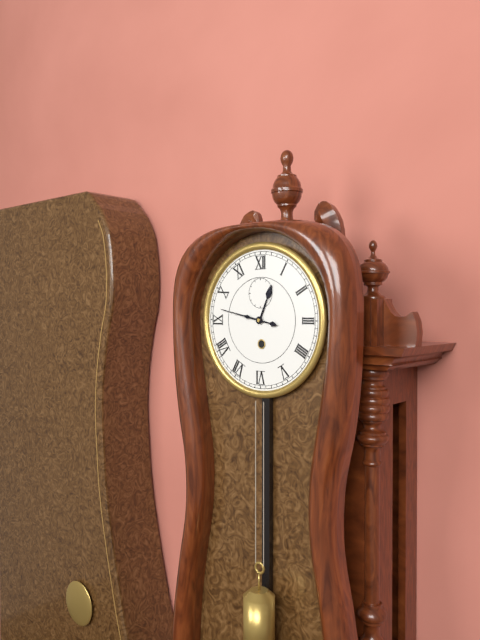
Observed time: 12:47
